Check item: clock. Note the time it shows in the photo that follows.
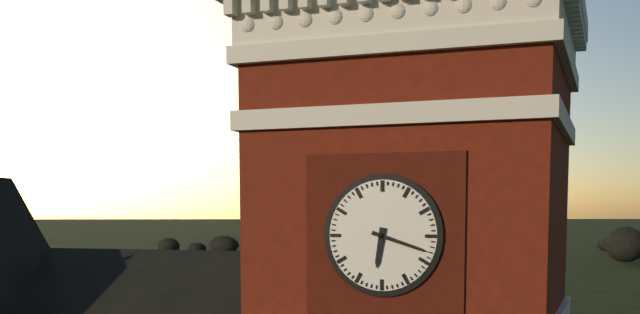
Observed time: 6:18
